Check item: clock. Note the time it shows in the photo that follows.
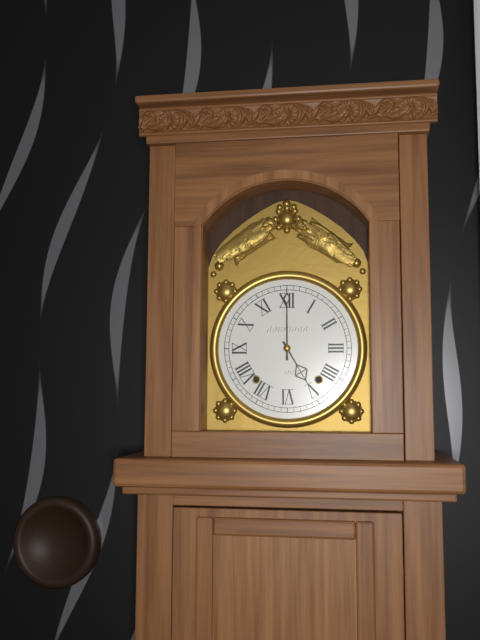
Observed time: 5:00
